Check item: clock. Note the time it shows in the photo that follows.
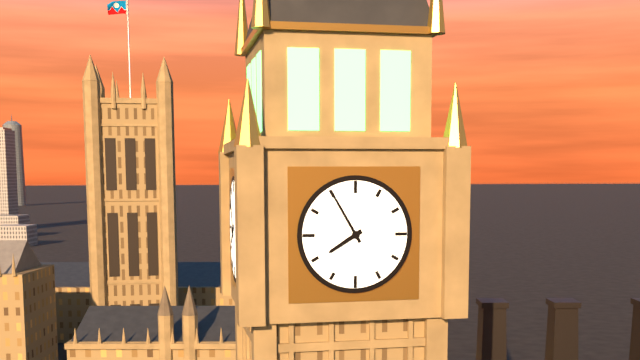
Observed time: 7:55
